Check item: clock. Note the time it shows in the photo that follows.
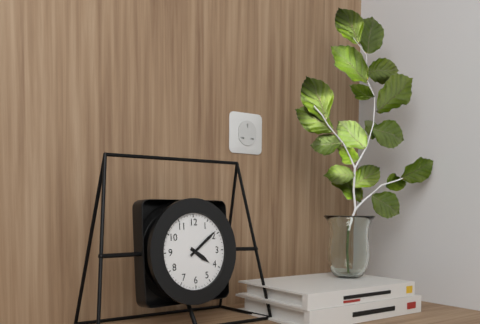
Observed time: 4:09
